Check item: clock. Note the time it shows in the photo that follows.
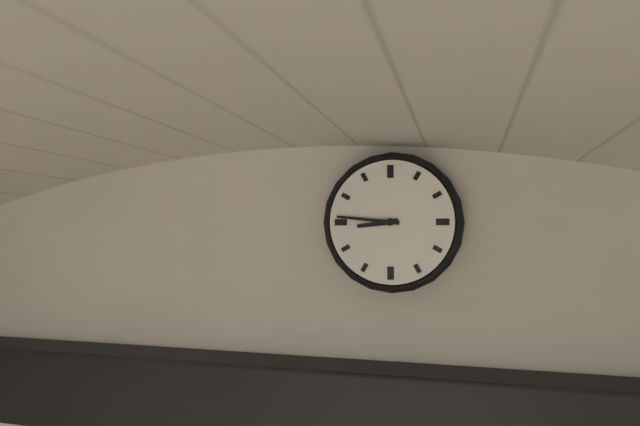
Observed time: 8:46
